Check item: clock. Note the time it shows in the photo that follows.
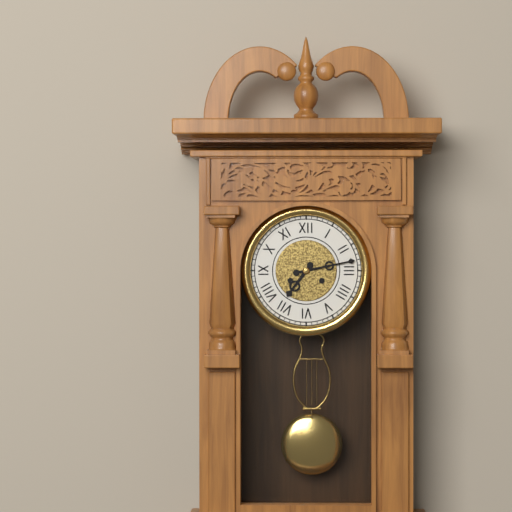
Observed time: 7:13
